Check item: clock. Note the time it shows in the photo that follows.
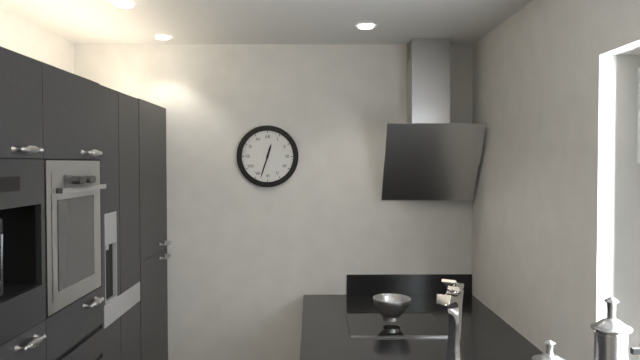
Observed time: 12:33
